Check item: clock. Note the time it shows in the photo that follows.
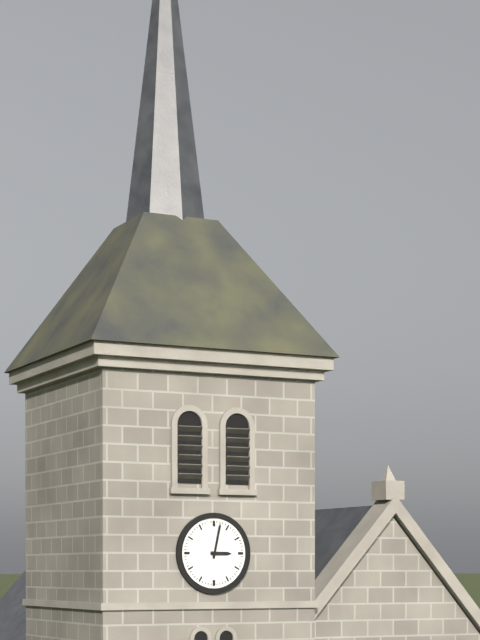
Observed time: 3:02
